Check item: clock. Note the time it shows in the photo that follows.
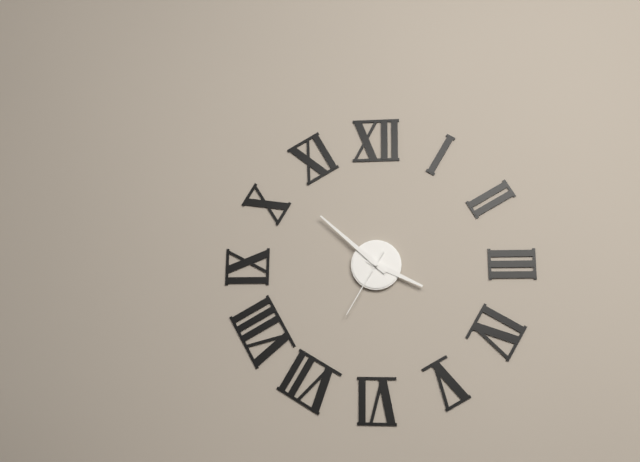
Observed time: 3:52:35
